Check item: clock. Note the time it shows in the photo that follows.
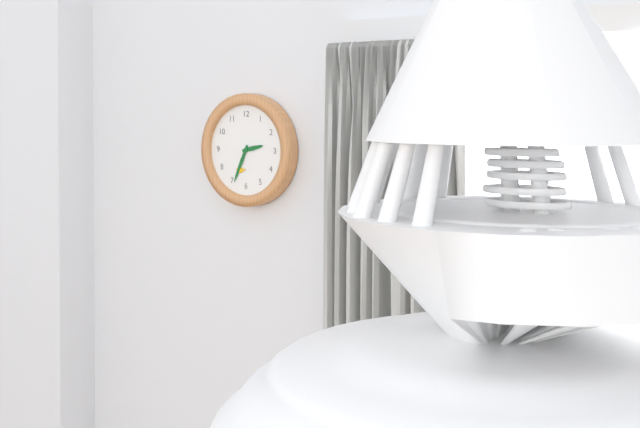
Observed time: 2:34
